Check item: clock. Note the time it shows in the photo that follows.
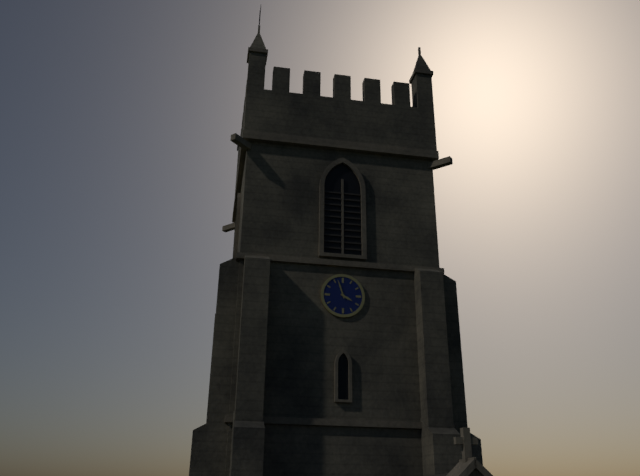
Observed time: 3:57
